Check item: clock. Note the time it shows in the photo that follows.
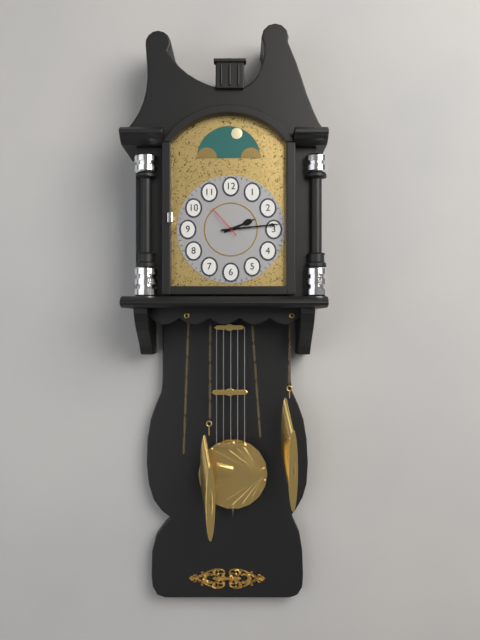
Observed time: 2:14
